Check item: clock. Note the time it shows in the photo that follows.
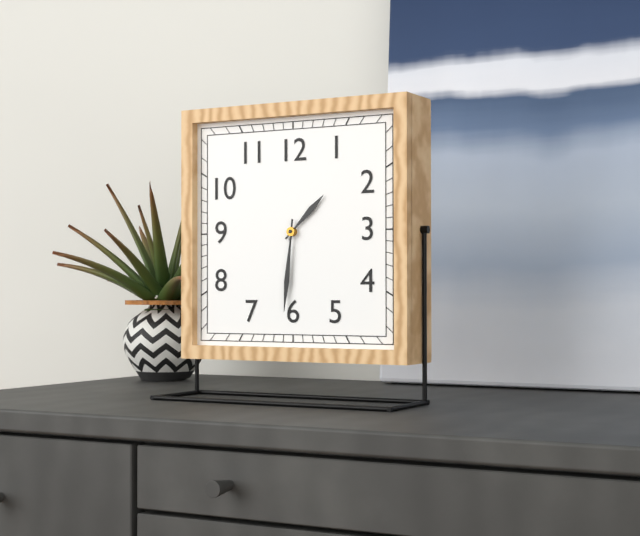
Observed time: 1:31
